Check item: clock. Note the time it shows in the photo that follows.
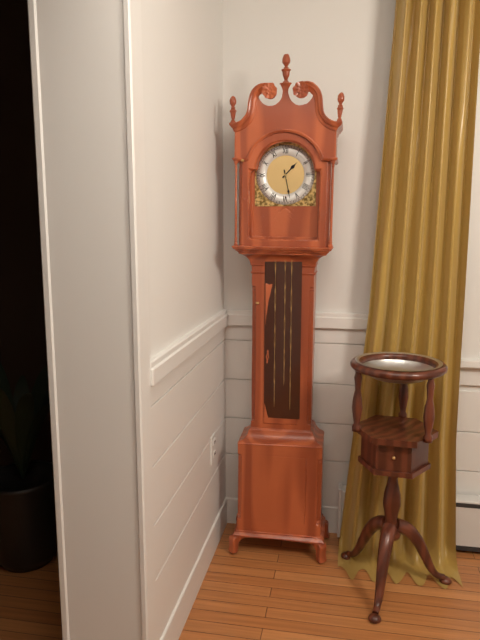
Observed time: 1:28
